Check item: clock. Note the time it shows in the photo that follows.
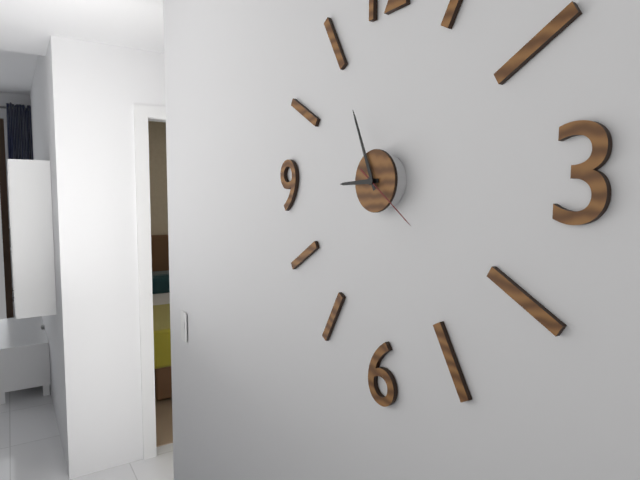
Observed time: 8:56:21
